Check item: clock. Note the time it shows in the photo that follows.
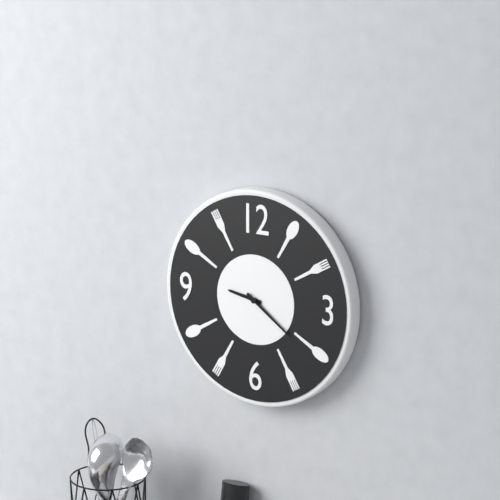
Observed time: 9:21
